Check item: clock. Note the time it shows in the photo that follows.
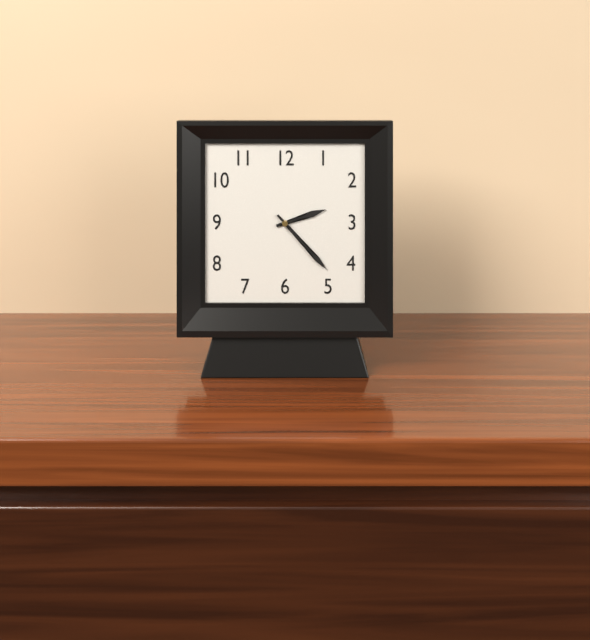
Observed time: 2:23
